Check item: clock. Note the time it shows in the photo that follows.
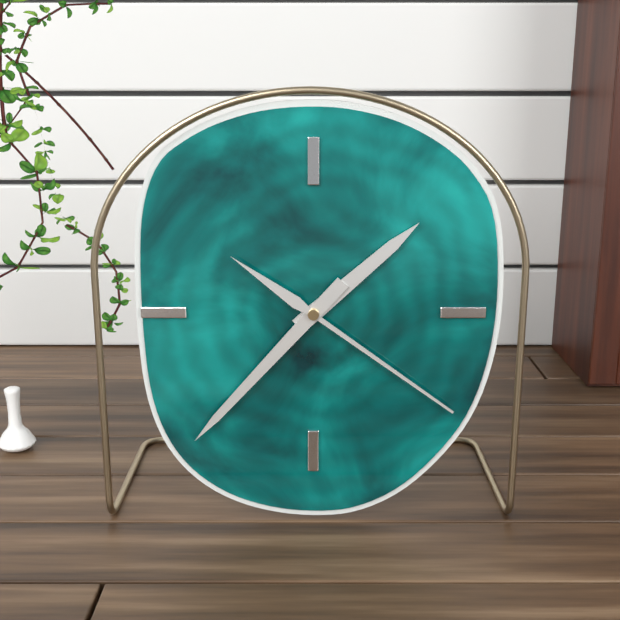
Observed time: 1:37:21
